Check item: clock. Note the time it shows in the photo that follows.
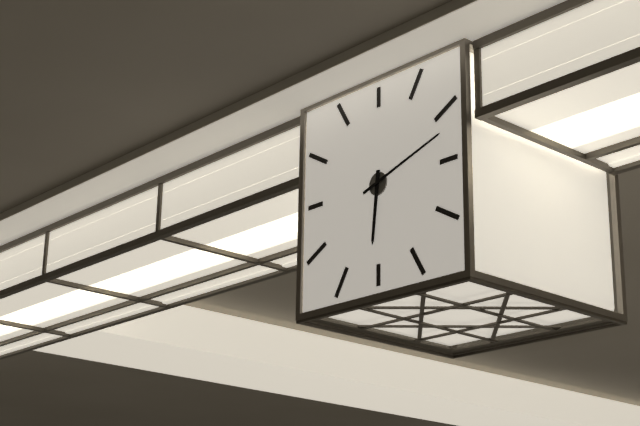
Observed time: 6:12
